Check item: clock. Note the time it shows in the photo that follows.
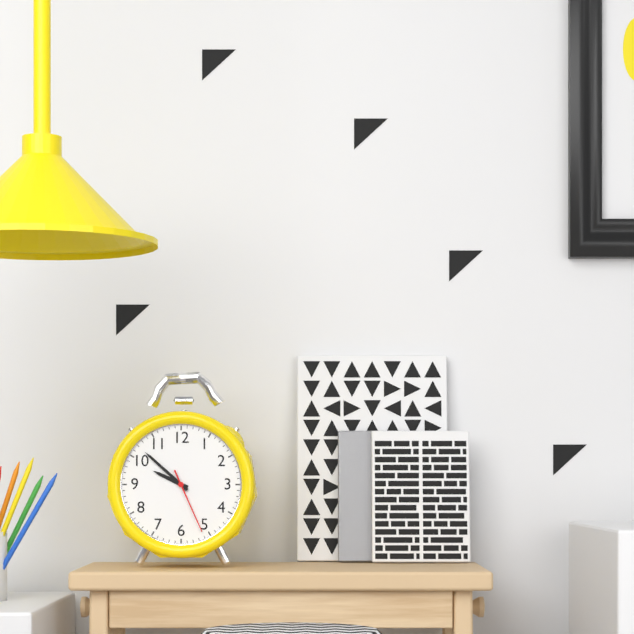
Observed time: 9:52:26
